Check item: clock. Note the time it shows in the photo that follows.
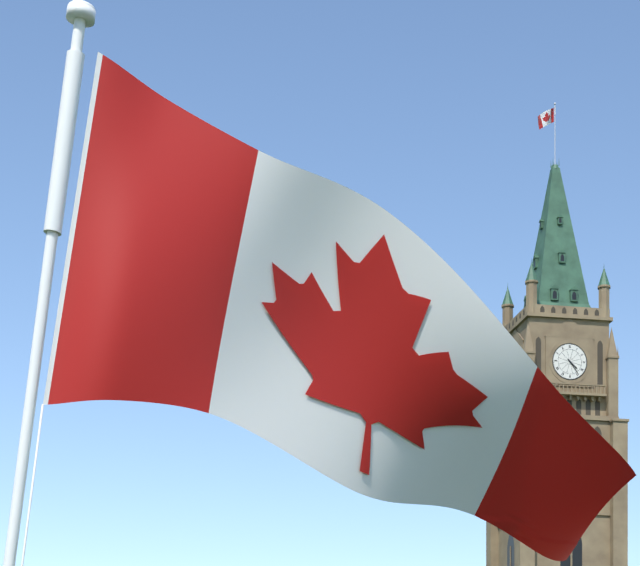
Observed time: 4:24
